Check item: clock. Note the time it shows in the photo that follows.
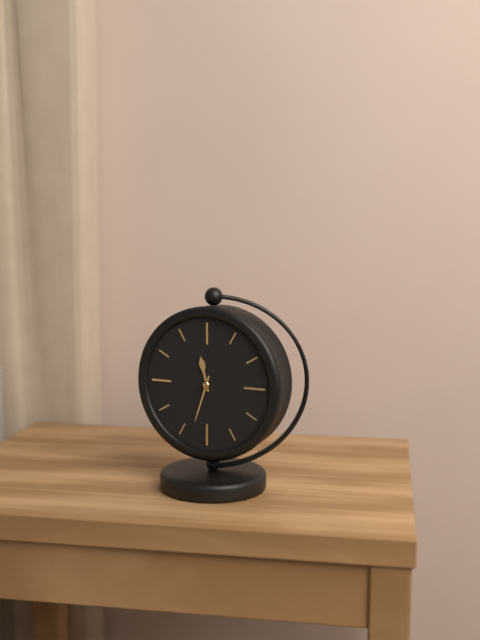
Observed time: 11:33
